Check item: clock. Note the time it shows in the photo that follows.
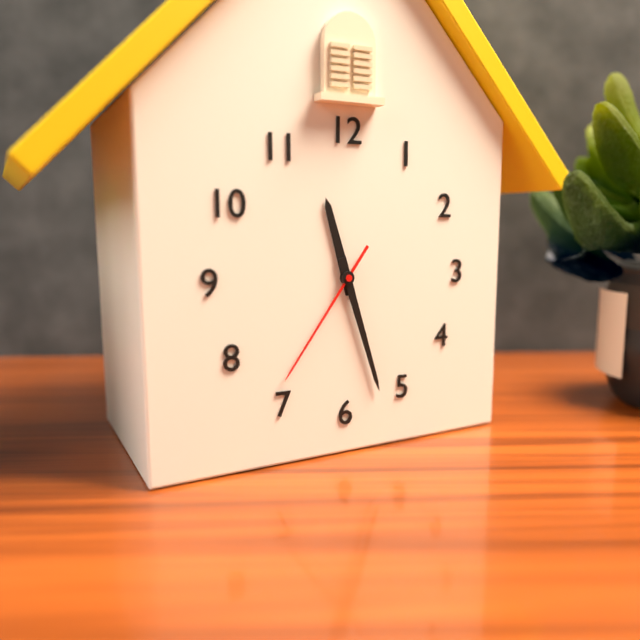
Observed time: 11:27:36
